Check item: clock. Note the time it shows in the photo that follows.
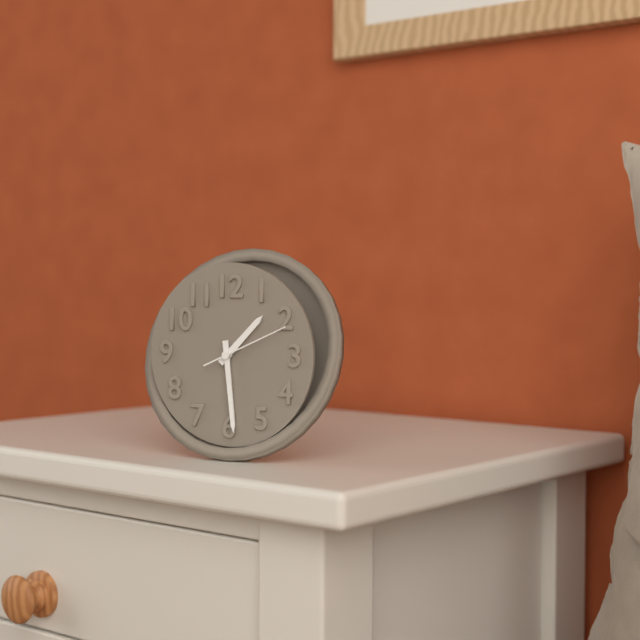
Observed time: 1:29:11
